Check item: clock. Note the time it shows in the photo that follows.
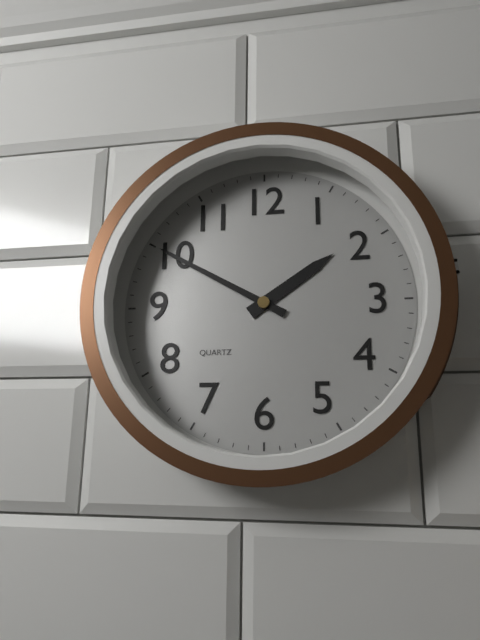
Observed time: 1:50
